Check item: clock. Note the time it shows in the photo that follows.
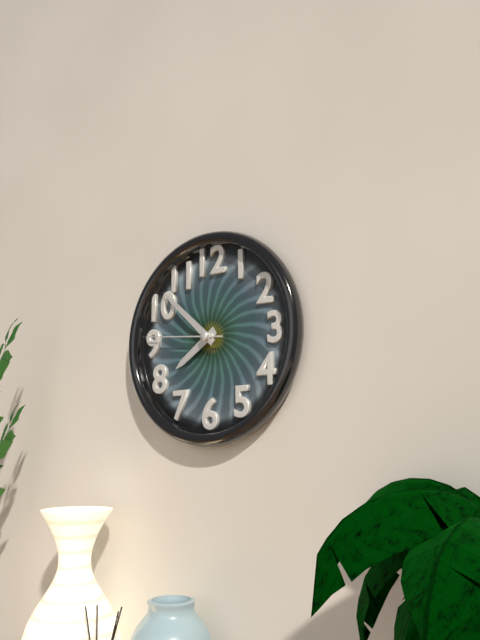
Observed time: 7:52:46
